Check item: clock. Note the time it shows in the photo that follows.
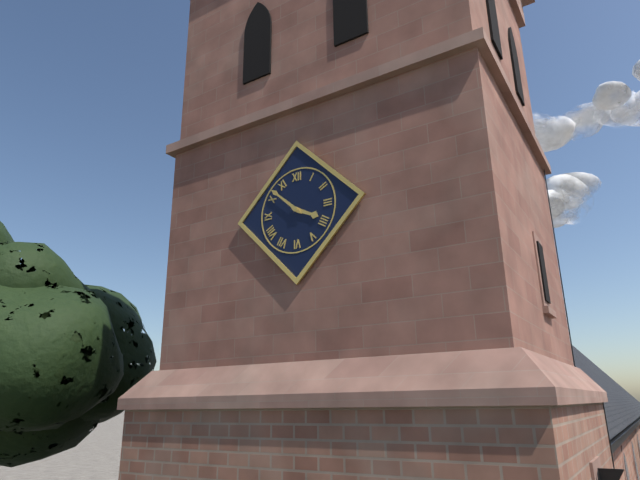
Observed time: 3:52
